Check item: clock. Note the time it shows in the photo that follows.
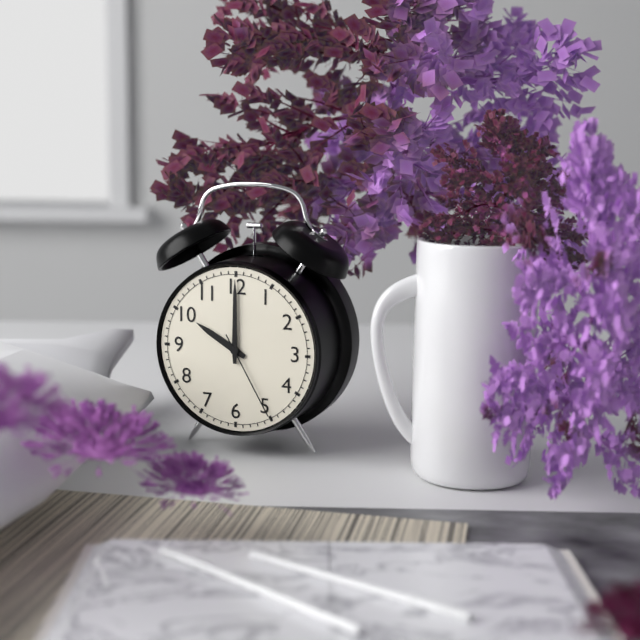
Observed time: 10:00:25
